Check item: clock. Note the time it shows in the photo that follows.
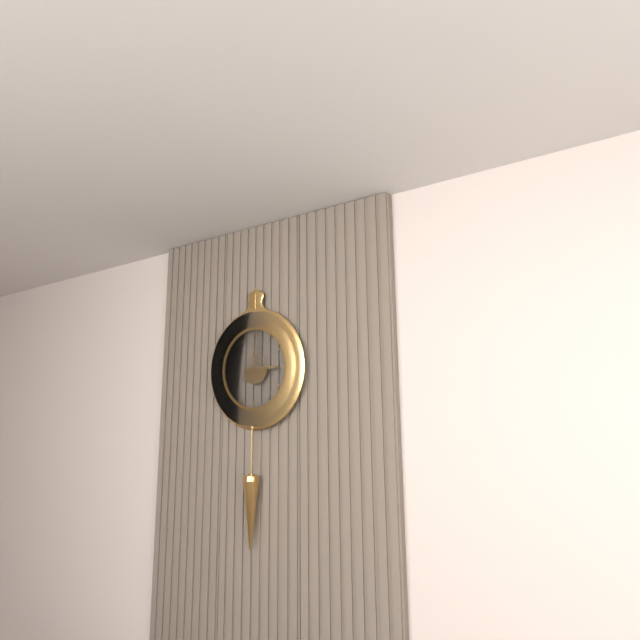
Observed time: 3:01
